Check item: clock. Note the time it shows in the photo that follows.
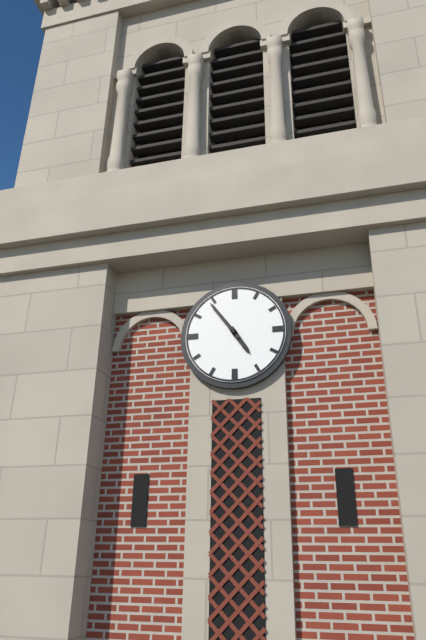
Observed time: 4:54
